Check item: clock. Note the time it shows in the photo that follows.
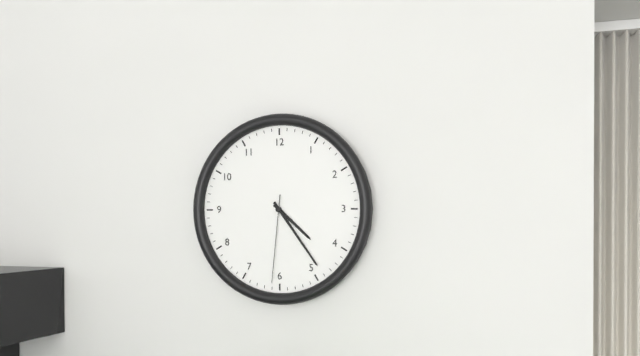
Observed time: 4:24:31
